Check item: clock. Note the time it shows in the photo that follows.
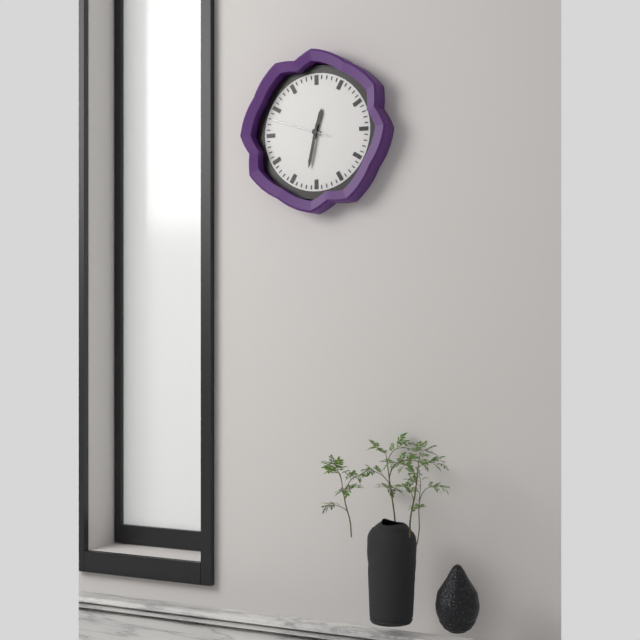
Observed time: 12:32:48
